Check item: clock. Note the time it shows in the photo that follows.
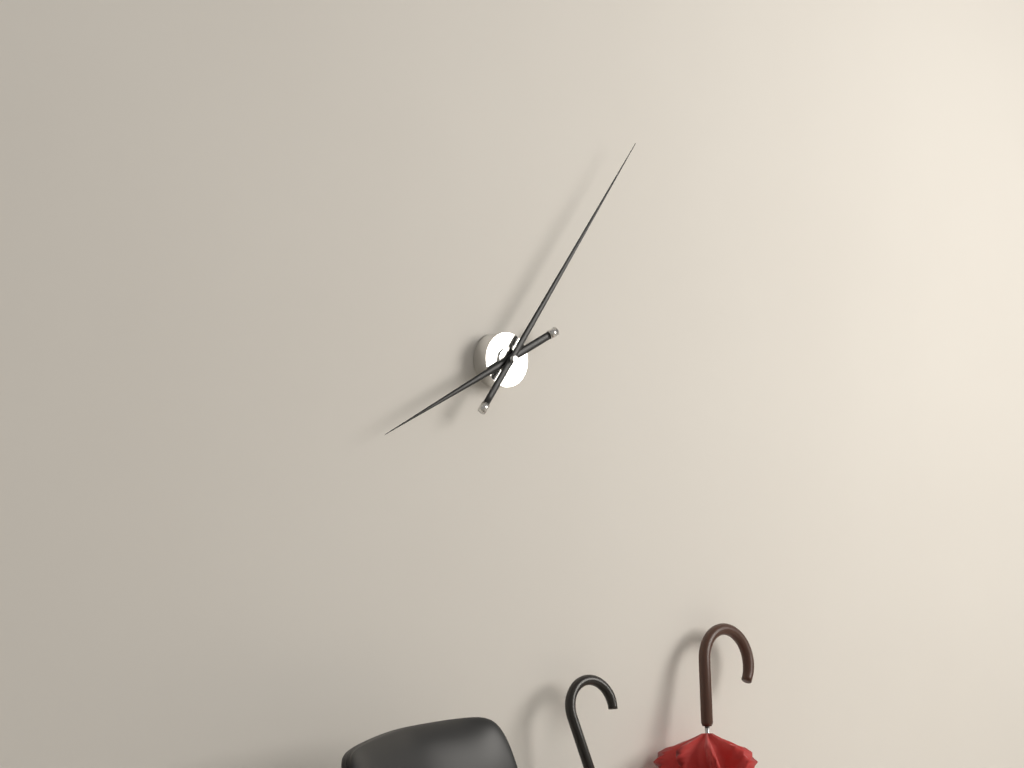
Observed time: 8:06
